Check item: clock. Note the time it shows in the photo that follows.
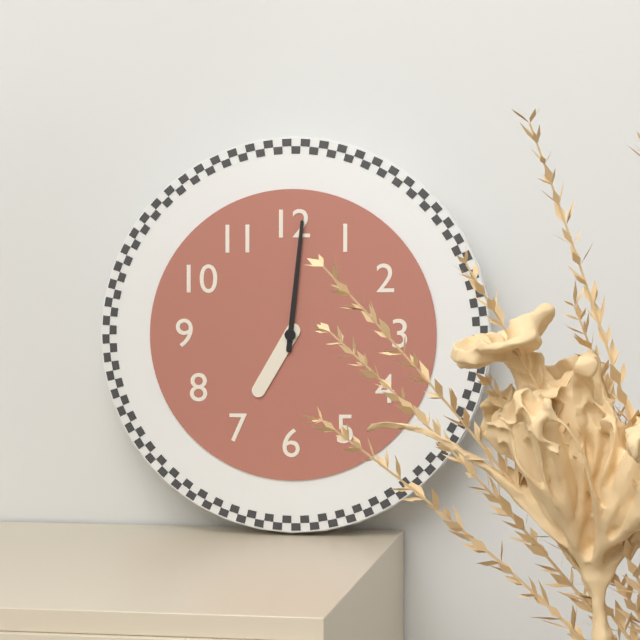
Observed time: 7:01
